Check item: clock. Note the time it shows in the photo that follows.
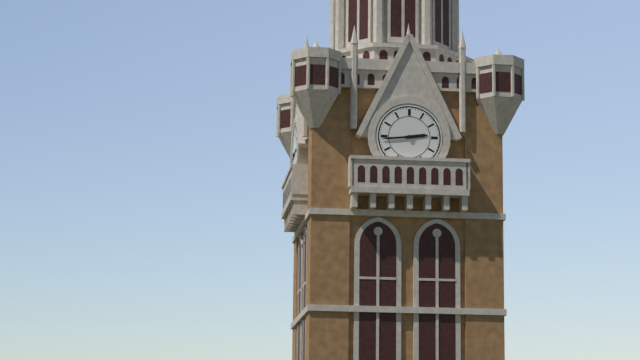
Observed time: 2:44
